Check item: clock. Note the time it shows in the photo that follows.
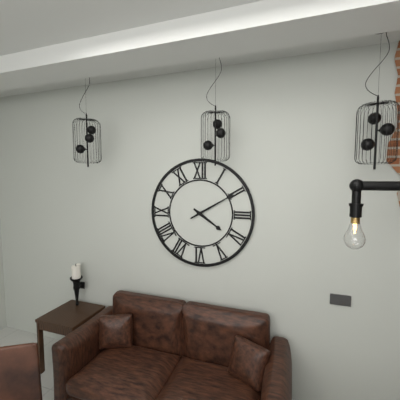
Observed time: 4:10
